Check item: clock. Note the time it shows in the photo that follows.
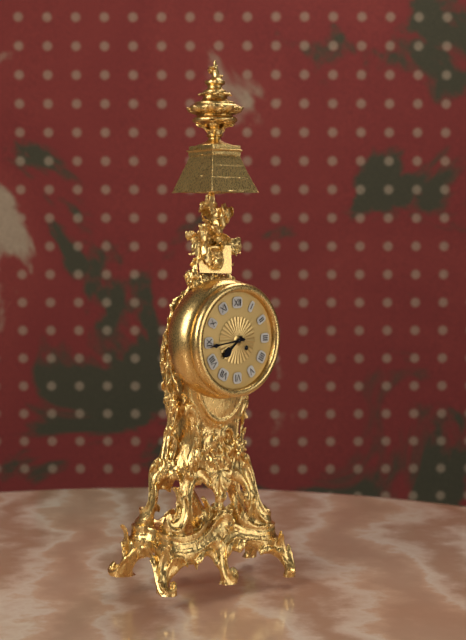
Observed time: 7:44
